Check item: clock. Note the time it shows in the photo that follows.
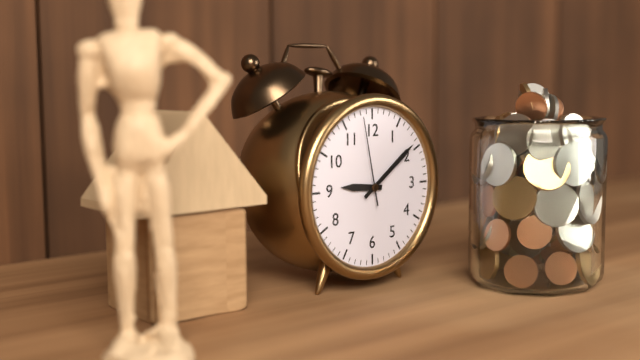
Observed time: 9:09:58
